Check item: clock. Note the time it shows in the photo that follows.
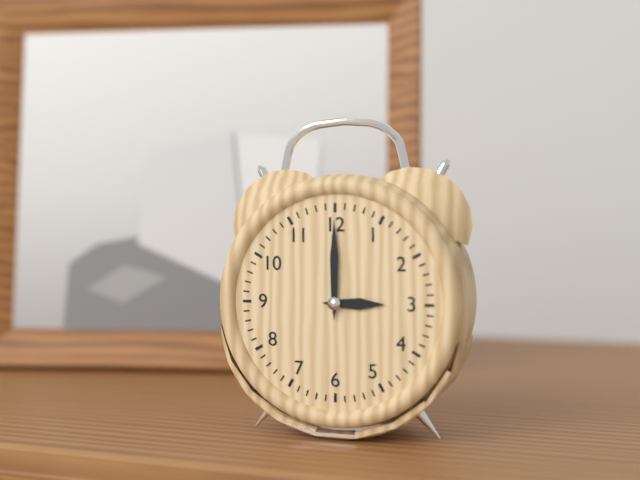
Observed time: 3:00
